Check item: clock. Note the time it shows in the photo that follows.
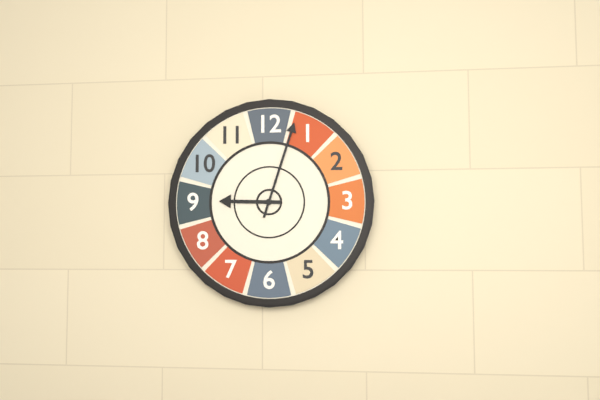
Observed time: 9:03
